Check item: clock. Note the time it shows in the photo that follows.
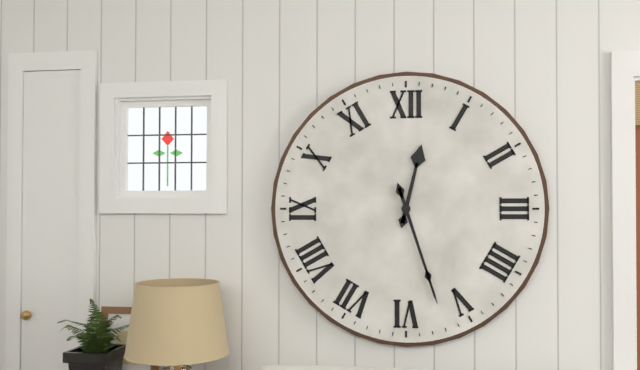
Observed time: 12:27
